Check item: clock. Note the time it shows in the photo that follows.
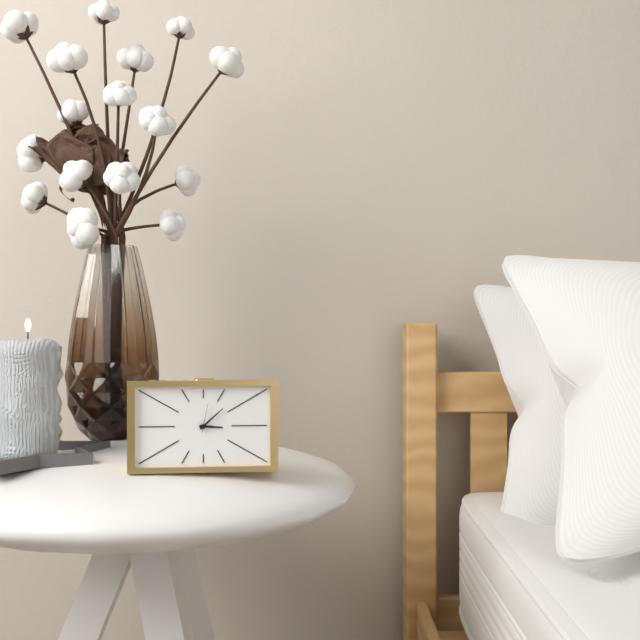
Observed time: 3:08
